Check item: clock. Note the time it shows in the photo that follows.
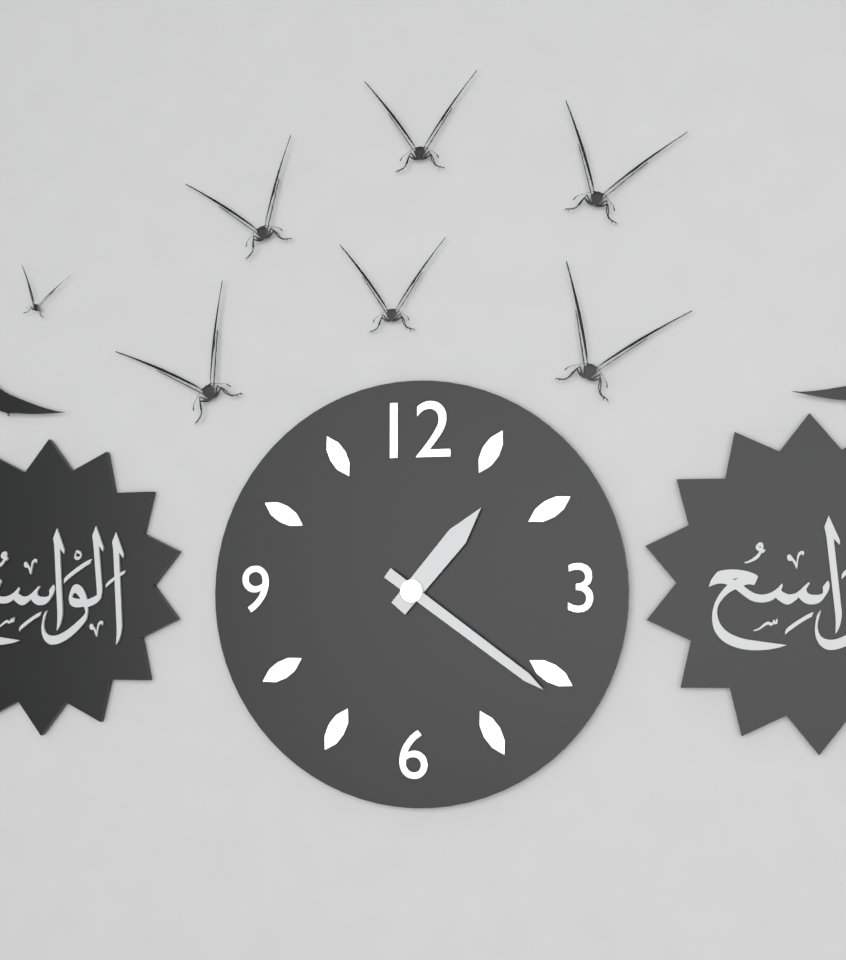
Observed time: 1:21
